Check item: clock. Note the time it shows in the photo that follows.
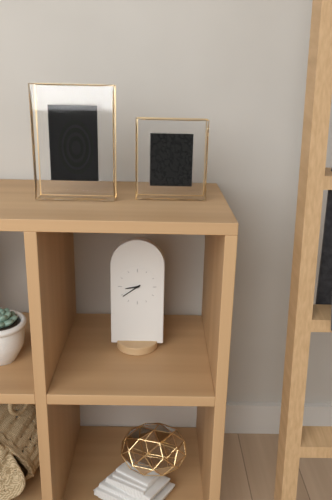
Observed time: 8:39
